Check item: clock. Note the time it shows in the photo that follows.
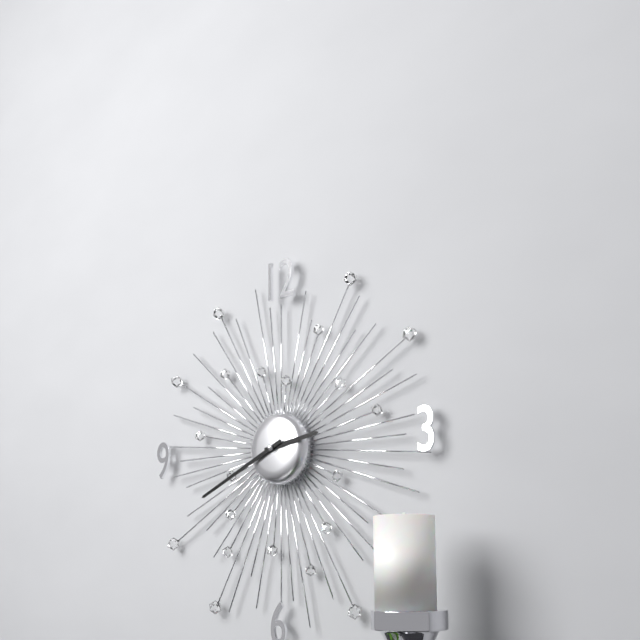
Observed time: 2:41
